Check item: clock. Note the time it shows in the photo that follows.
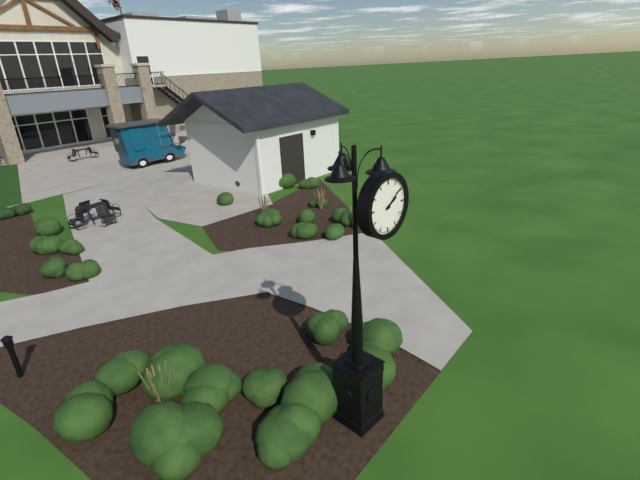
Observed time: 2:09
